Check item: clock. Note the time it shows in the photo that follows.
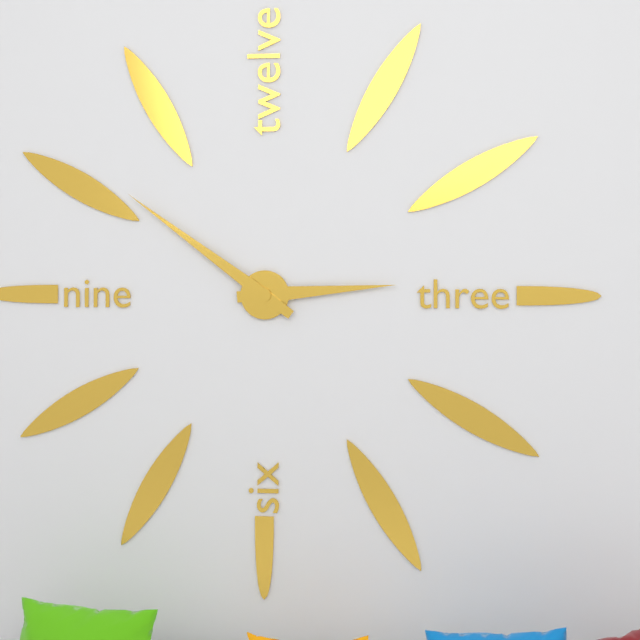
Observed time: 2:51
